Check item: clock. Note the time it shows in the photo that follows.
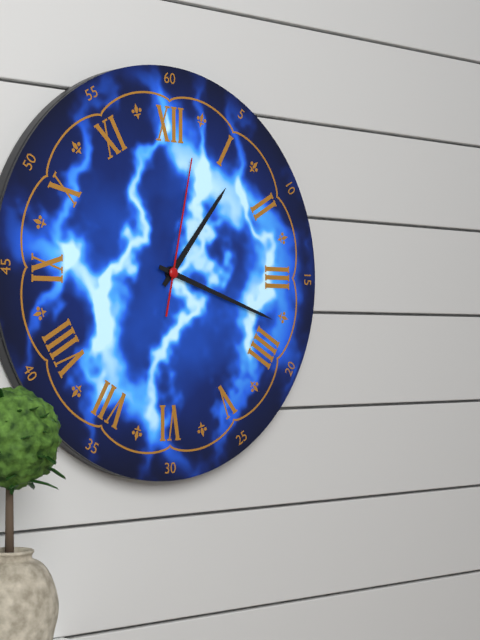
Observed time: 1:18:02
